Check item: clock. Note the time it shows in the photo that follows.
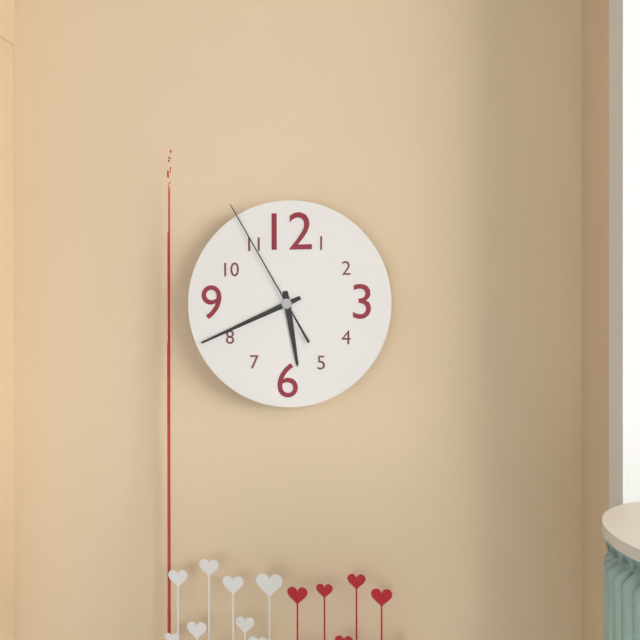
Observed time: 5:41:55
